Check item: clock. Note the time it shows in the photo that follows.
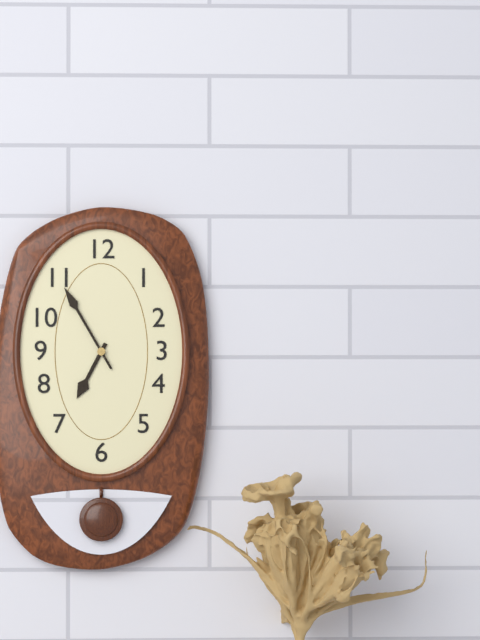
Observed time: 6:55
